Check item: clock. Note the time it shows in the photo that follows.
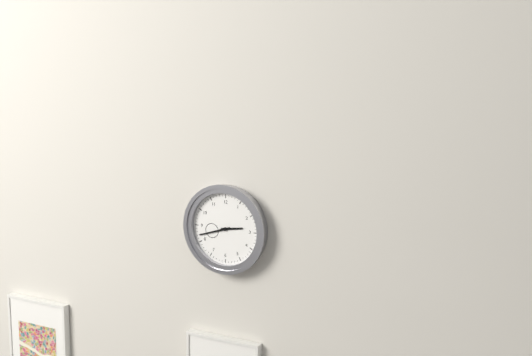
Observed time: 2:42
